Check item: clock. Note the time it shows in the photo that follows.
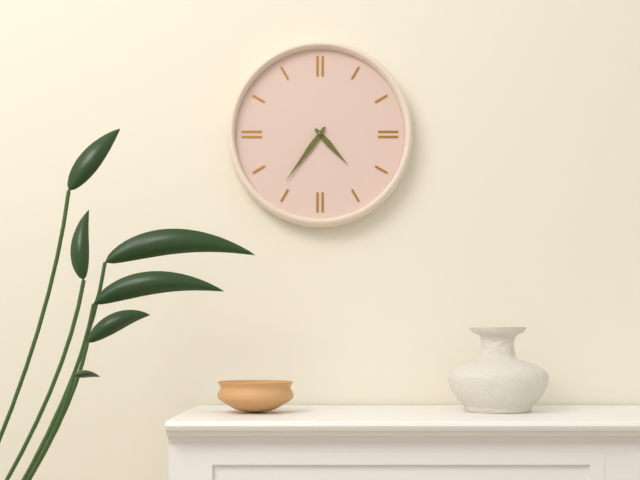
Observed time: 4:36
